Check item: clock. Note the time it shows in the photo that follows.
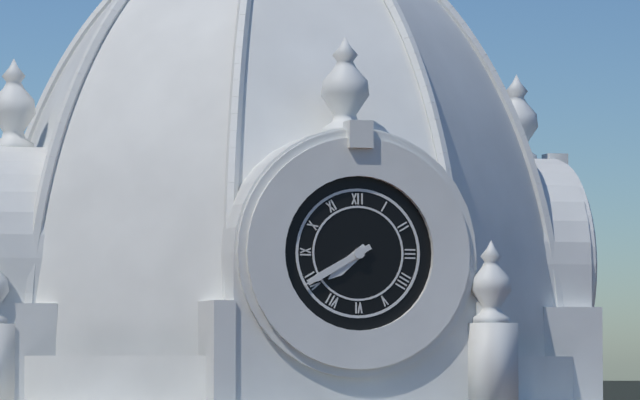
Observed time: 7:40
